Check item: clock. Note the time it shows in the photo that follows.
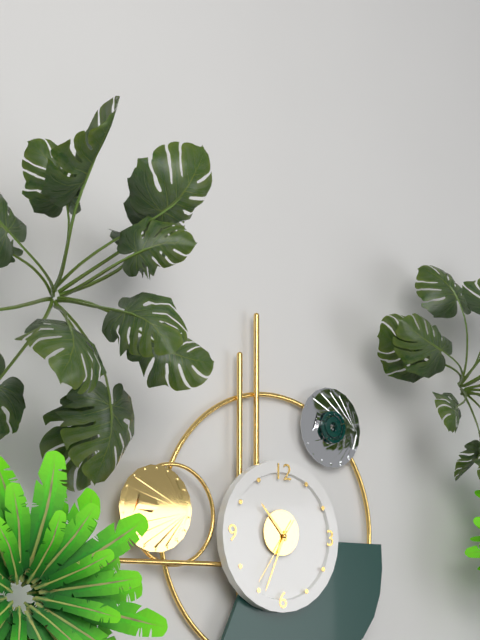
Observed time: 10:34:36
